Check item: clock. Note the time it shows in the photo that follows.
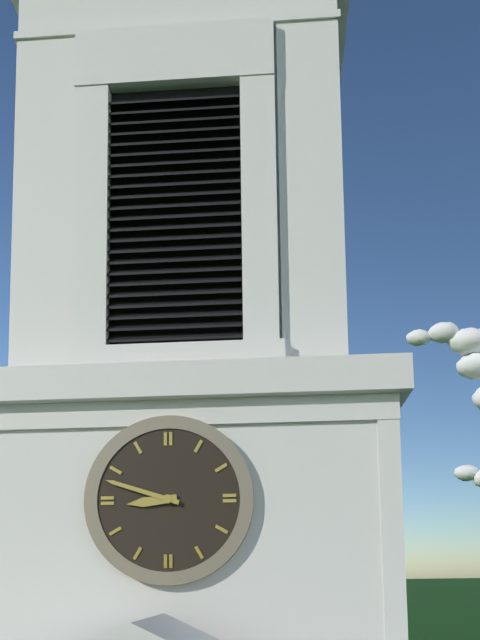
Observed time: 8:48
